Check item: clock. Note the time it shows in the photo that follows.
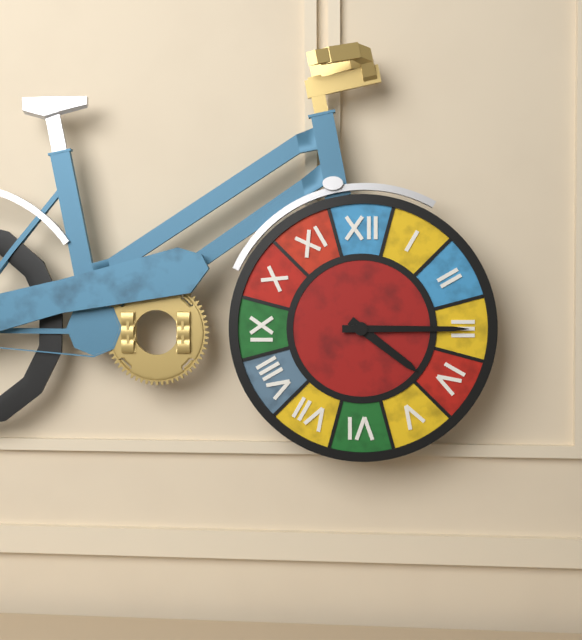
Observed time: 4:15
